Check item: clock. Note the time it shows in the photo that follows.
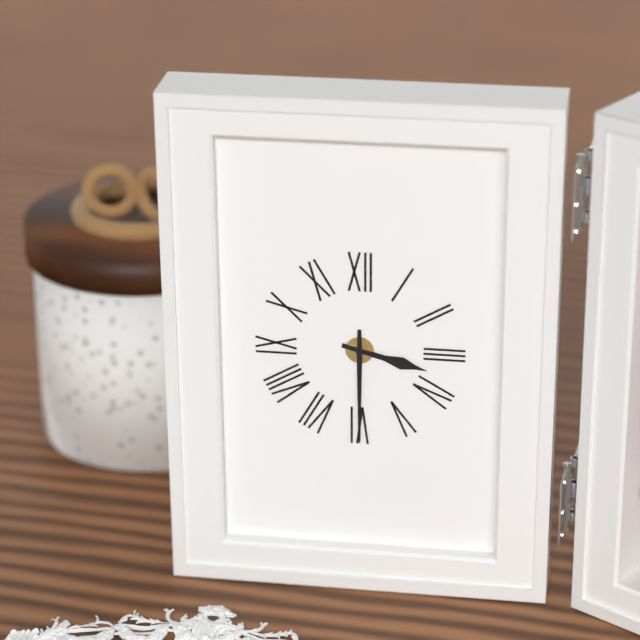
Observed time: 3:30
